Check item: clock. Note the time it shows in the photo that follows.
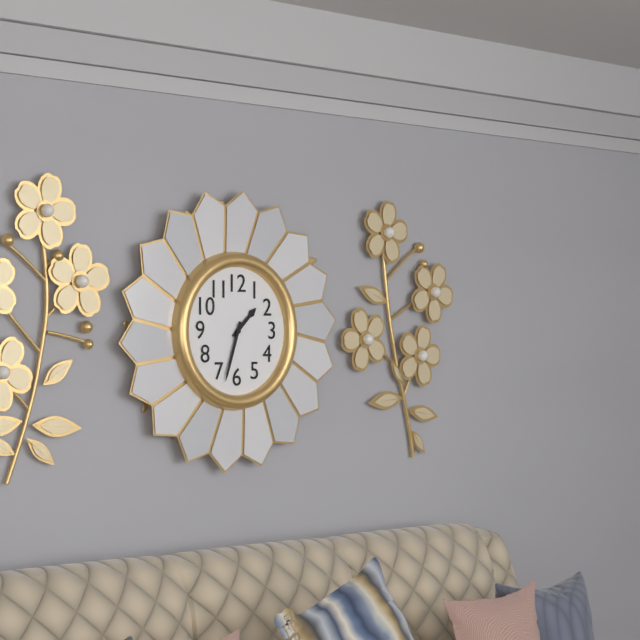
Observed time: 1:33
